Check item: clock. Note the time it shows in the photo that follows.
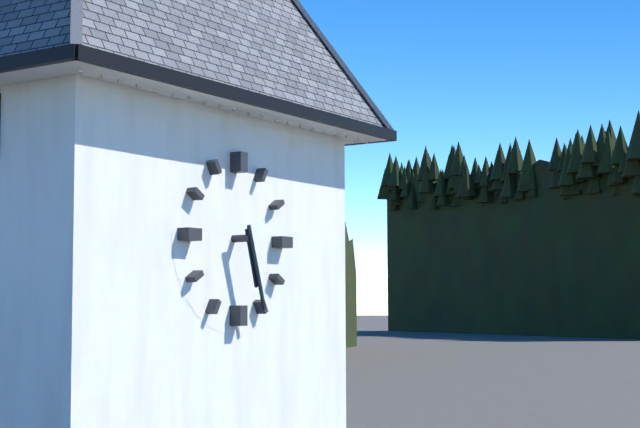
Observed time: 5:27
